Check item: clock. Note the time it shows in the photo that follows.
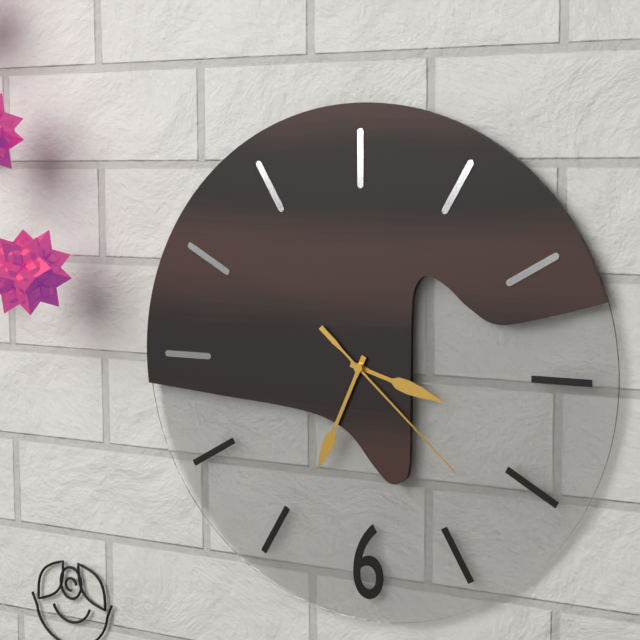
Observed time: 3:34:22
